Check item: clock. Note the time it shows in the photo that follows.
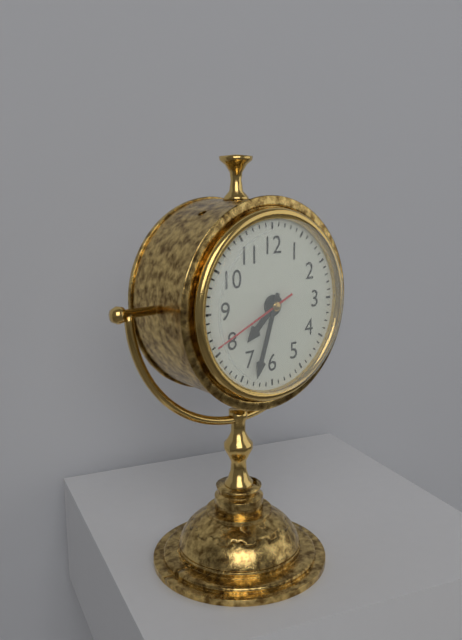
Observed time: 7:33:41
